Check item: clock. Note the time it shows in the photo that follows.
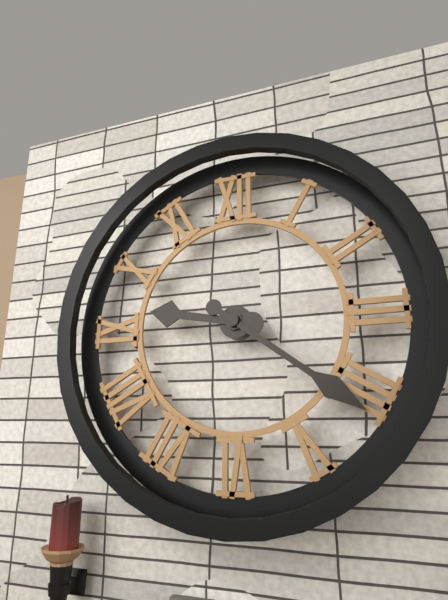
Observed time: 9:21
